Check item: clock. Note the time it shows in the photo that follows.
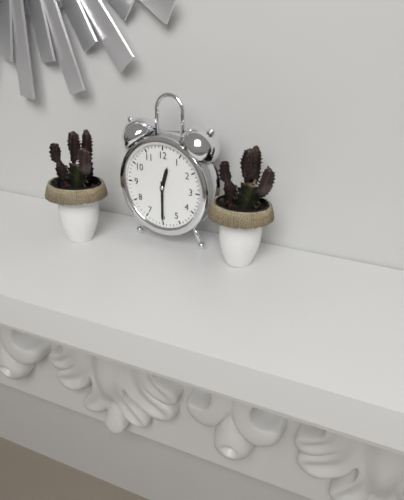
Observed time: 12:30
